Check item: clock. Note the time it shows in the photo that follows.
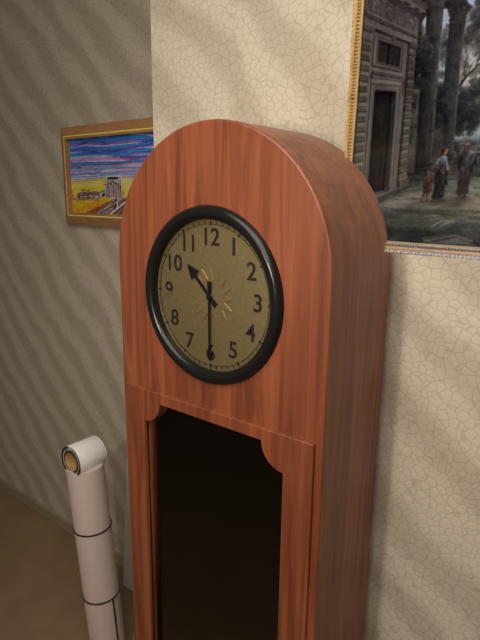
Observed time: 10:30
